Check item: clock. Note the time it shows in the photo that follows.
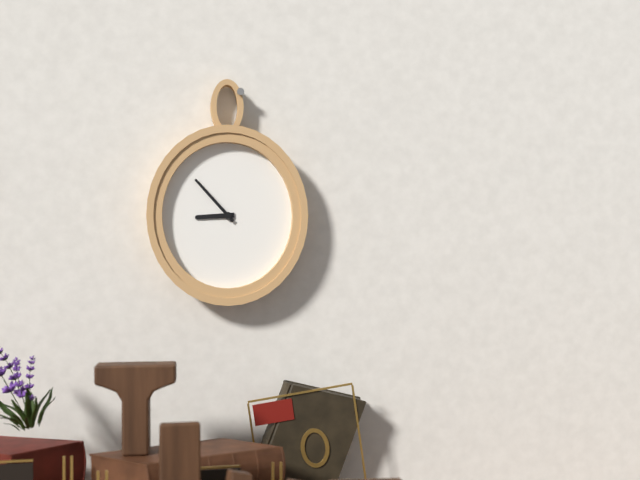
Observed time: 8:53
